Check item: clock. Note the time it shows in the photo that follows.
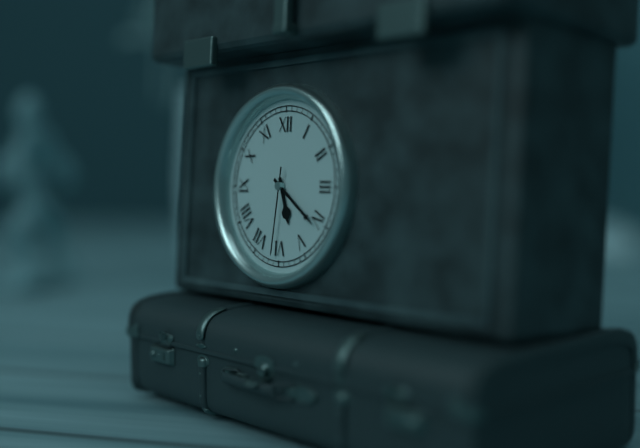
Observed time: 5:21:31
